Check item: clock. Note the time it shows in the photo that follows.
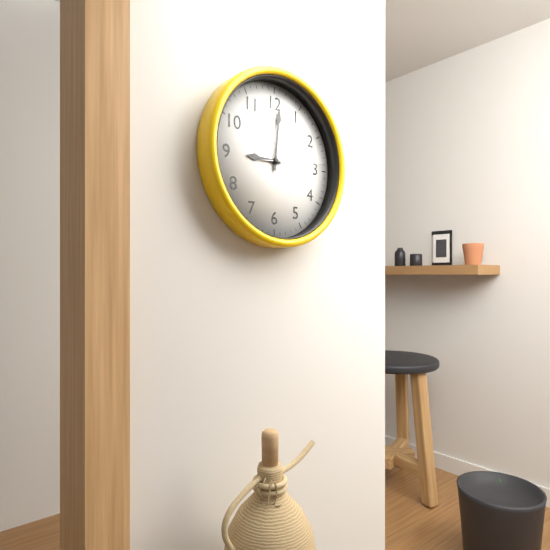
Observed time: 9:01:14
